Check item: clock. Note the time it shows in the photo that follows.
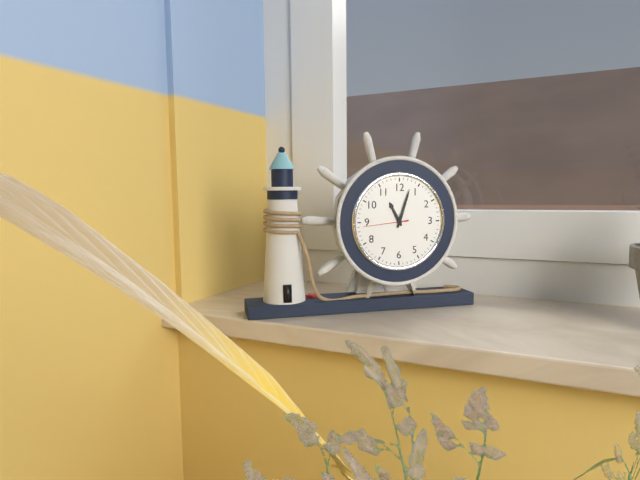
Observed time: 11:03
